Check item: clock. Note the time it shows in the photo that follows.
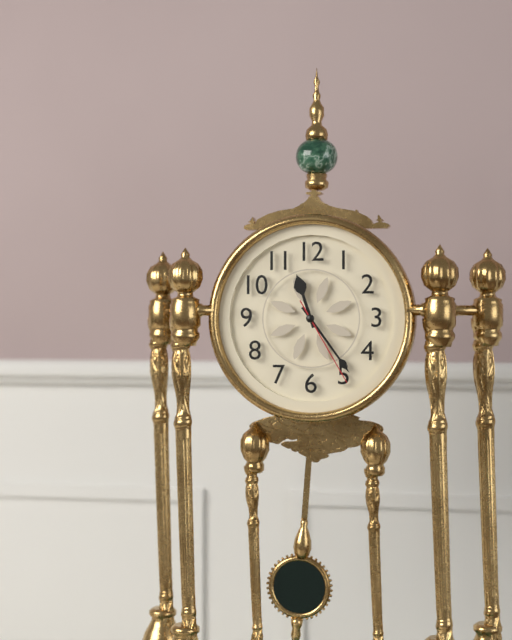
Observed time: 11:24:25
